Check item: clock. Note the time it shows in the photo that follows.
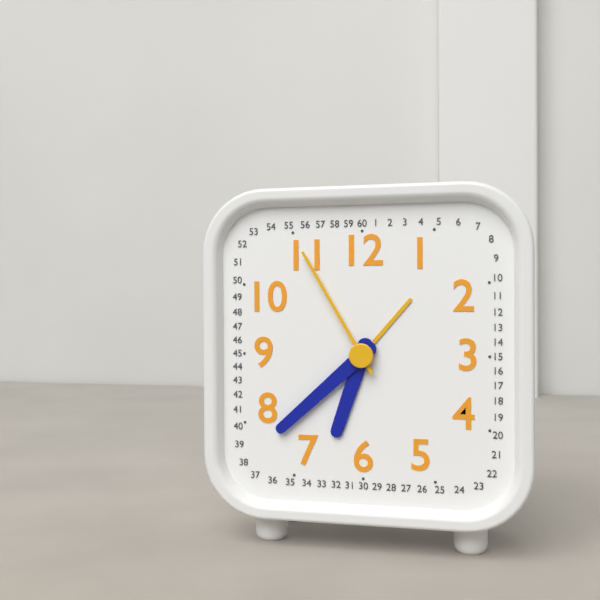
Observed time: 6:38:55
